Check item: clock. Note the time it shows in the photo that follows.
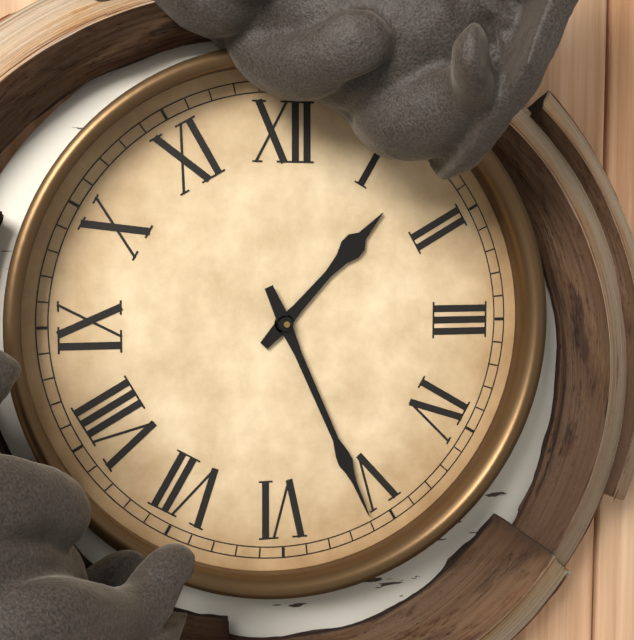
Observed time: 1:26
